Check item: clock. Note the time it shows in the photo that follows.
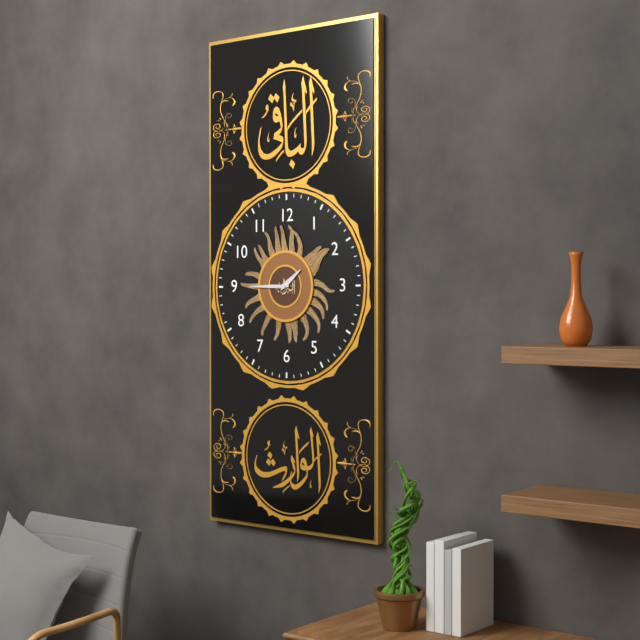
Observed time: 1:45
